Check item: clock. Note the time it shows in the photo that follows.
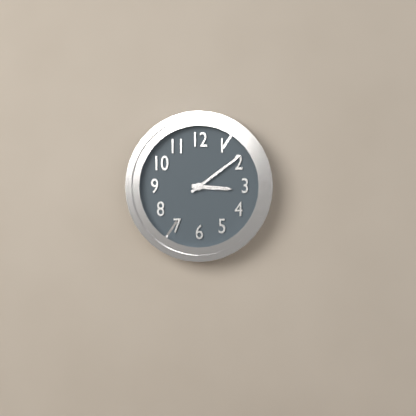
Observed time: 3:09
